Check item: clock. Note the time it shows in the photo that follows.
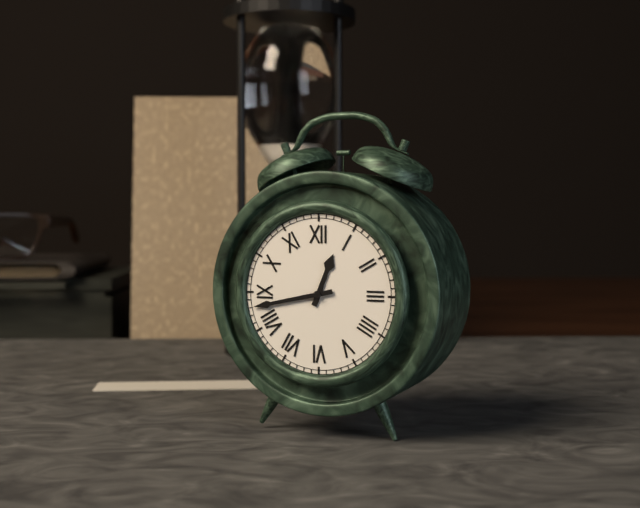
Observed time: 12:43
